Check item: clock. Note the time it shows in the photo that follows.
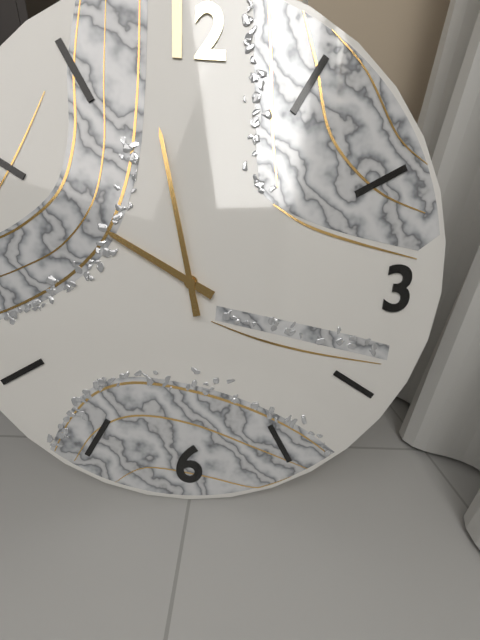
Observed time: 9:58
